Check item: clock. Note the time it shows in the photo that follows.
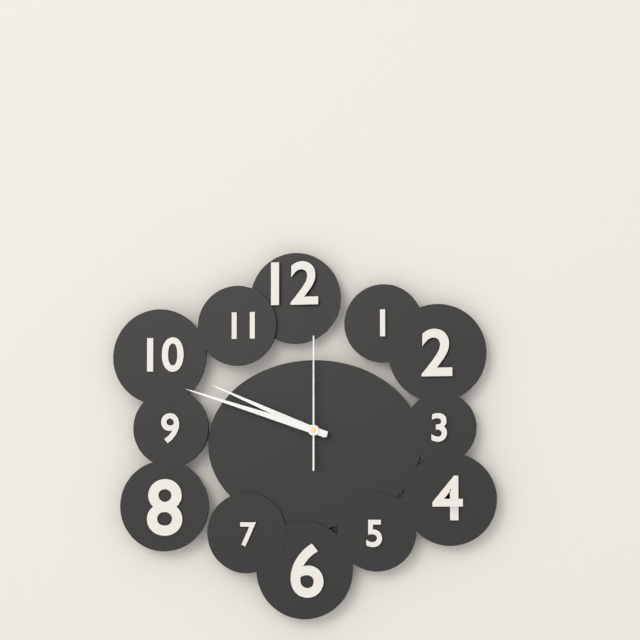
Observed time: 9:48:00
